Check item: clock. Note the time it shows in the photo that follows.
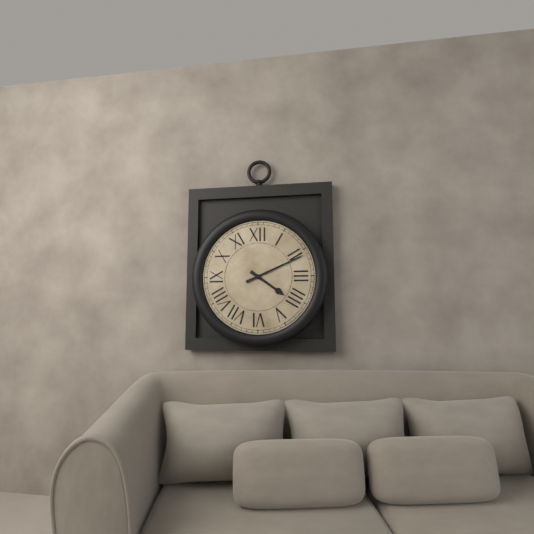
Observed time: 4:11
